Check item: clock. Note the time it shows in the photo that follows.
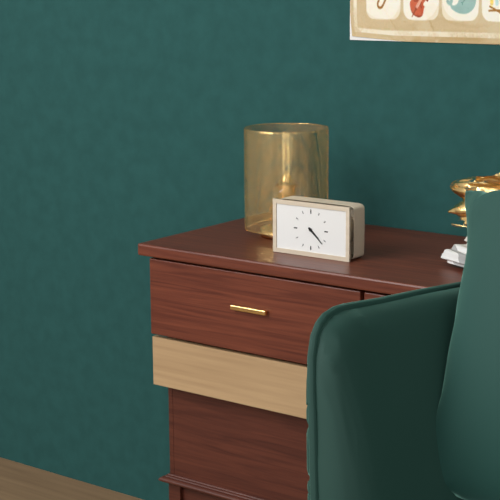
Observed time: 4:22
